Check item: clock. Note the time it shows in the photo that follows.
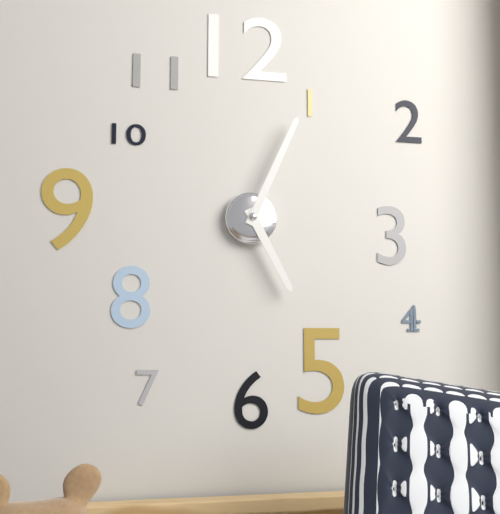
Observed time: 5:04
